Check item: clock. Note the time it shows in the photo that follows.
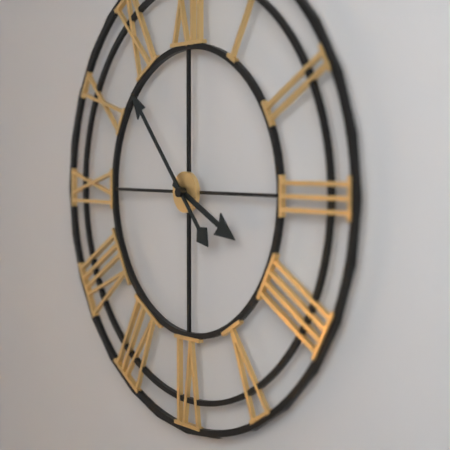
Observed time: 3:53
